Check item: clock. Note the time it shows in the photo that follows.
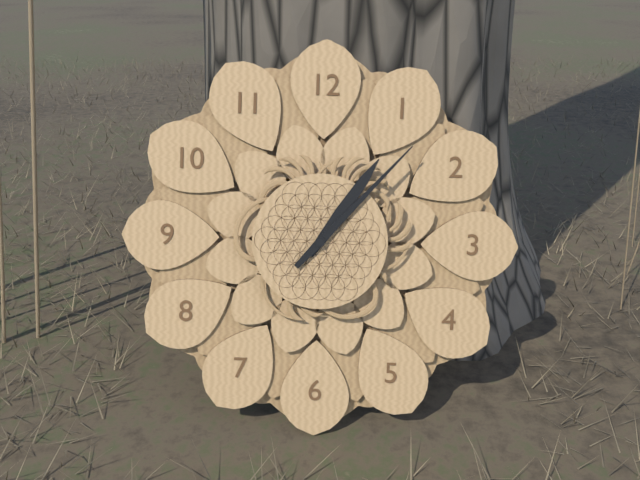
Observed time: 1:07
